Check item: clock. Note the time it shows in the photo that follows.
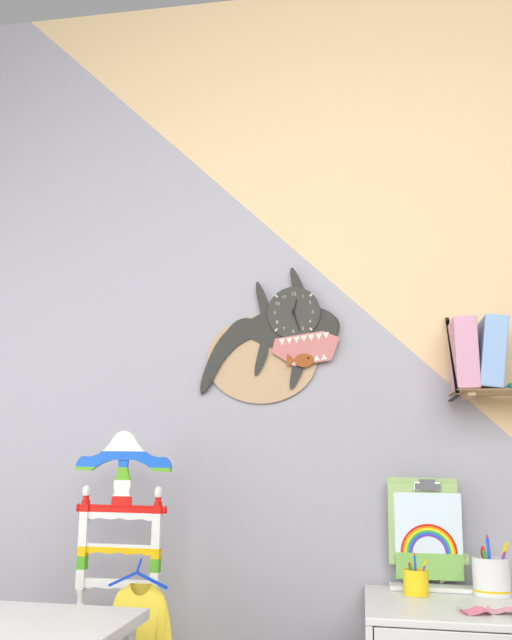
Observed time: 12:27
